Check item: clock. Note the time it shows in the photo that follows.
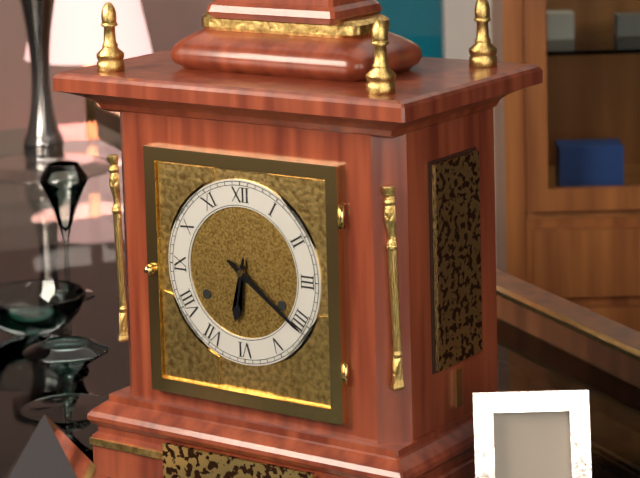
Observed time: 6:21
